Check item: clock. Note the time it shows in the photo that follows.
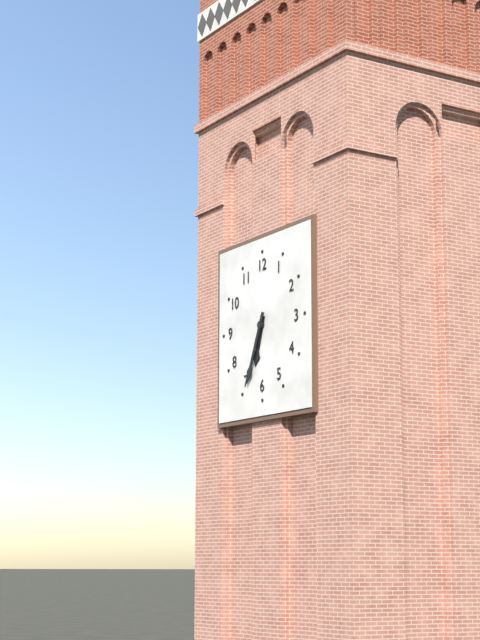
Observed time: 6:34
